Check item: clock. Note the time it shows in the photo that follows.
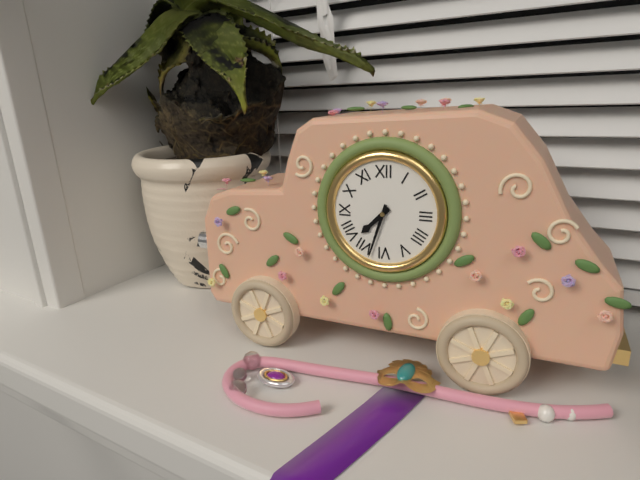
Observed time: 7:33
